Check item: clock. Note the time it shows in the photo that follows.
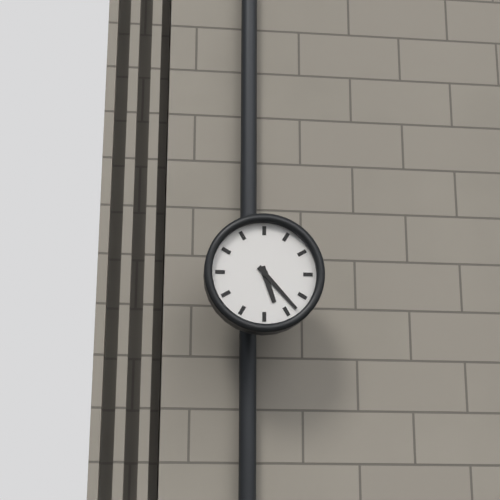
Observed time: 5:23
